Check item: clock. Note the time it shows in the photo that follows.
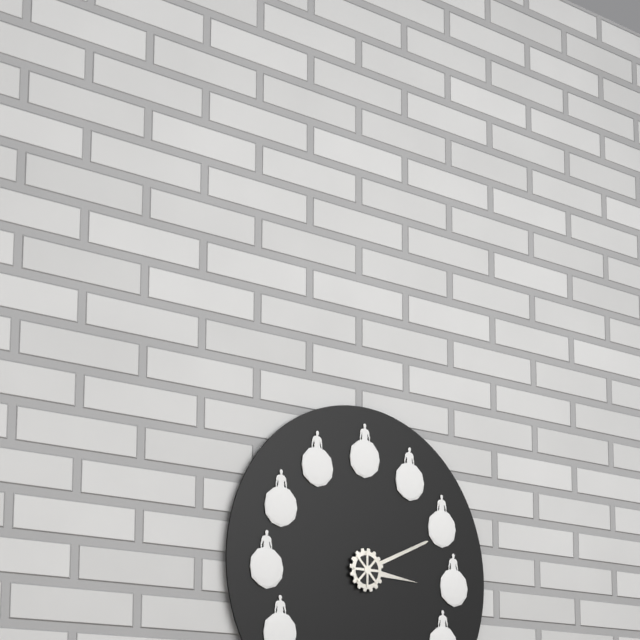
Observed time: 3:11
